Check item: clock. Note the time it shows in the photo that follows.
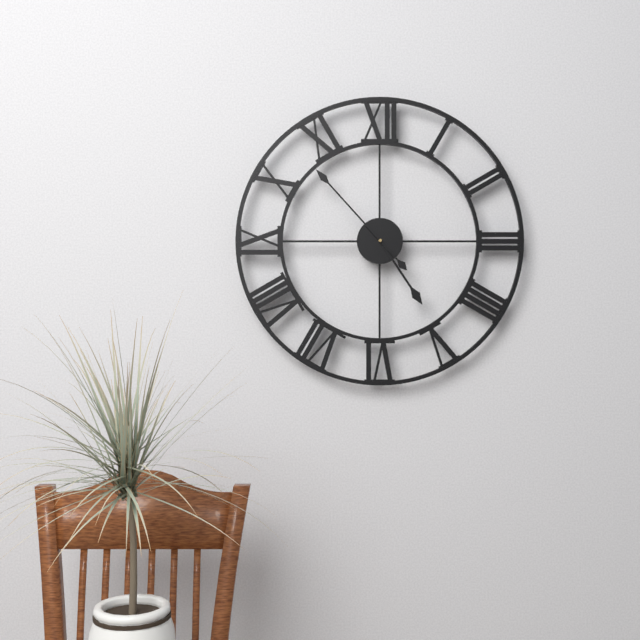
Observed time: 4:53
